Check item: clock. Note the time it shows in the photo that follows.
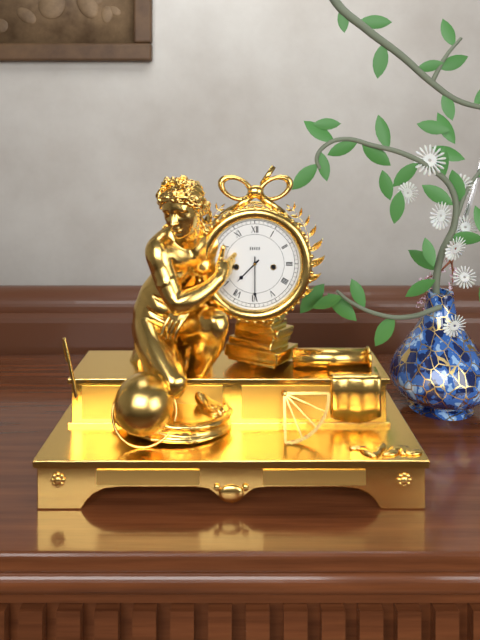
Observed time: 7:30
